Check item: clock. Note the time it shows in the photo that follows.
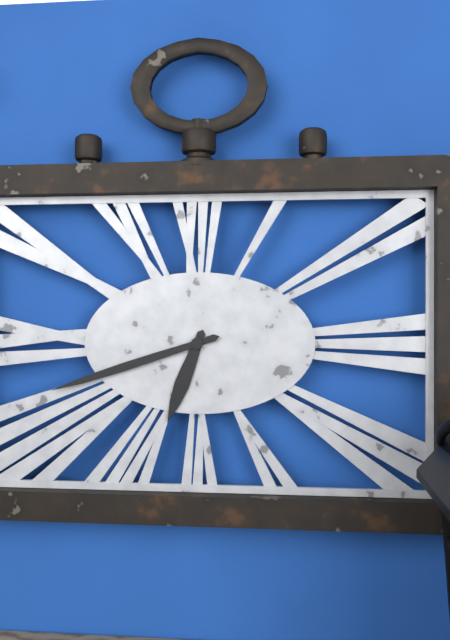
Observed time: 6:42
